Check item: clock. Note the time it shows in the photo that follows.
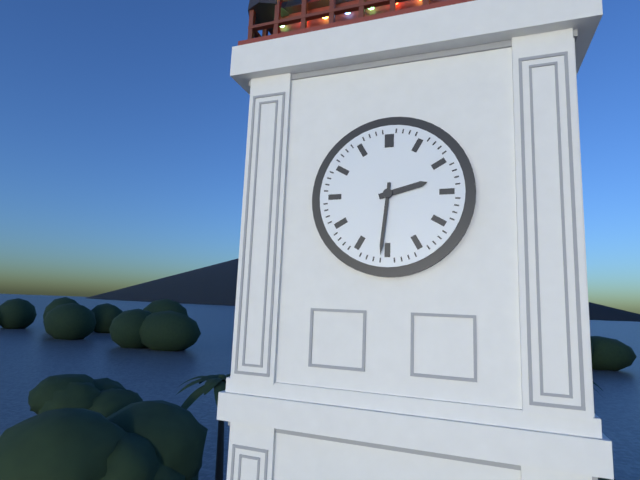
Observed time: 2:31
